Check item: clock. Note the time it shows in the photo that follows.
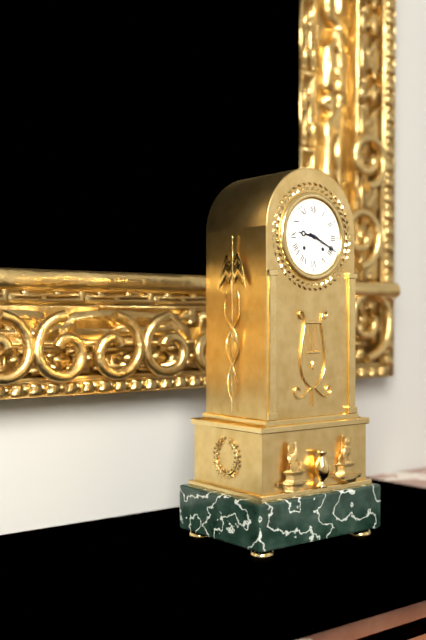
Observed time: 9:19
